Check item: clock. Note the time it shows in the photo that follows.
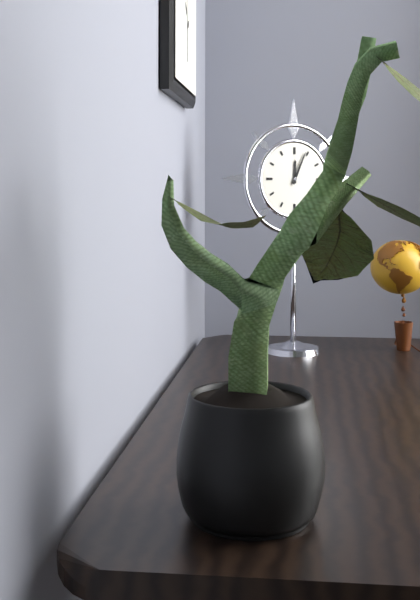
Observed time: 12:04
